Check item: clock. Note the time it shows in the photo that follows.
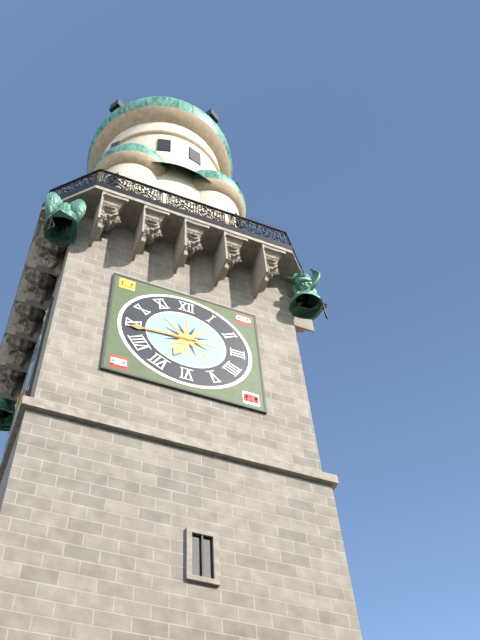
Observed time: 6:44
